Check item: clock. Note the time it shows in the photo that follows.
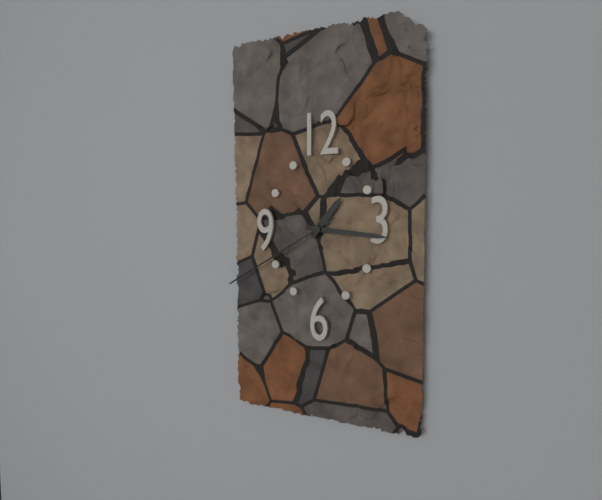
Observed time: 1:16:40
